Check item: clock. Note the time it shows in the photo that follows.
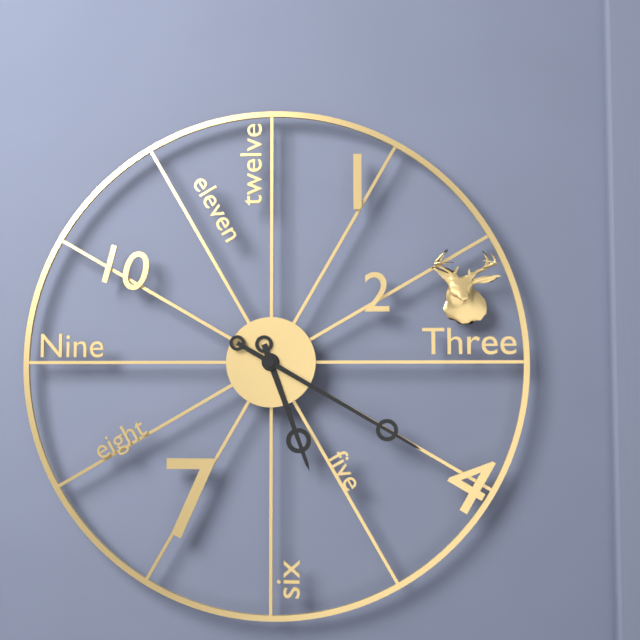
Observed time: 5:20
